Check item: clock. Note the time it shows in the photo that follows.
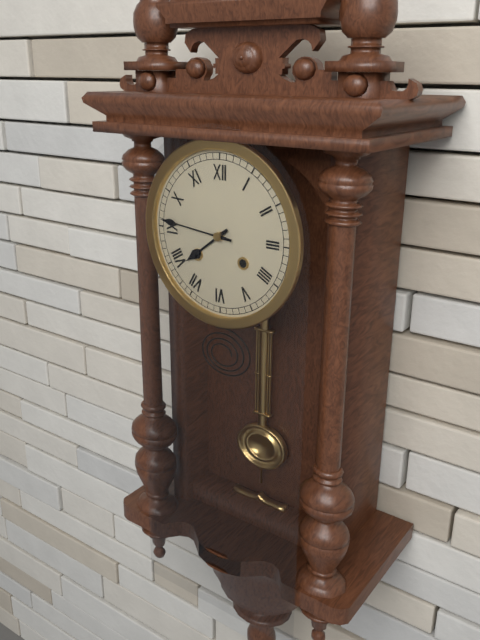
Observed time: 7:46
